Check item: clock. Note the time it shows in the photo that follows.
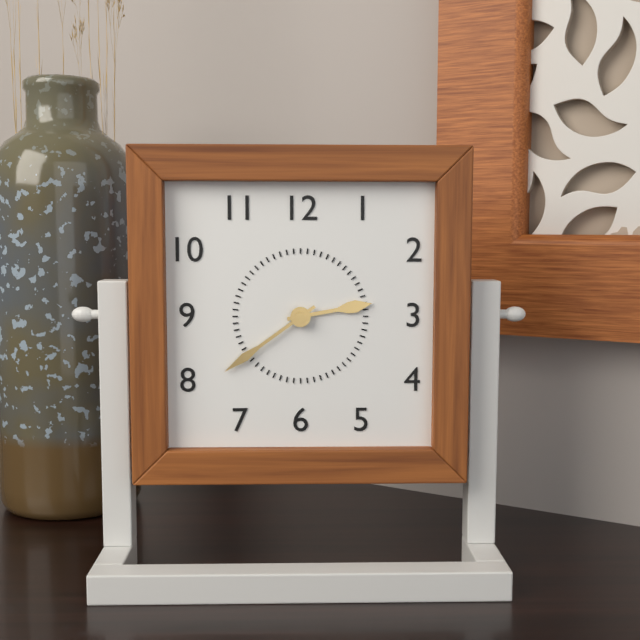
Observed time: 2:39
